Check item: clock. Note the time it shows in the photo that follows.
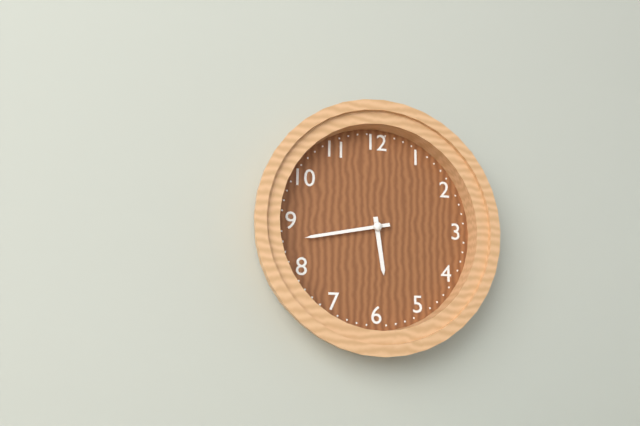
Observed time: 5:43
